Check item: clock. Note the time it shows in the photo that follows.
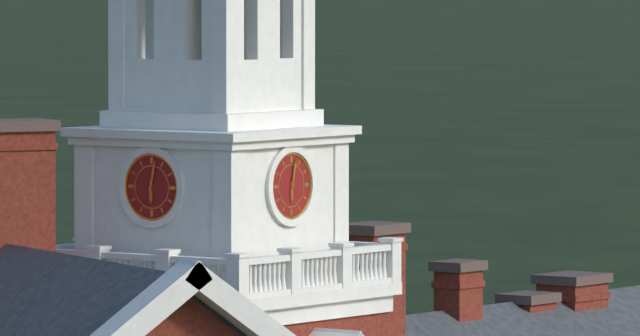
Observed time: 6:02
